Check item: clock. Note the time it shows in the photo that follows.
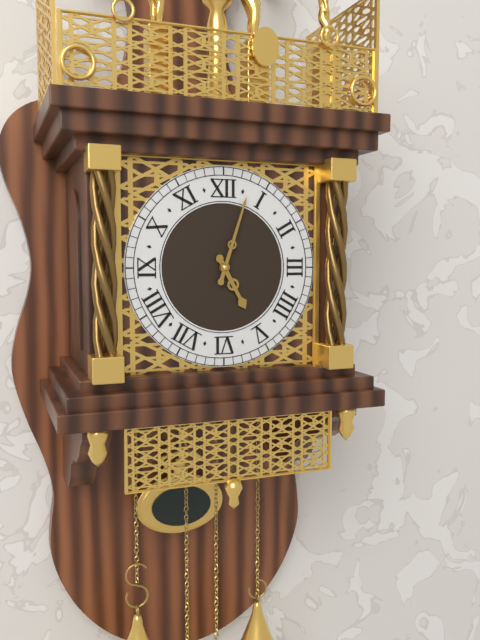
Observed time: 5:03
